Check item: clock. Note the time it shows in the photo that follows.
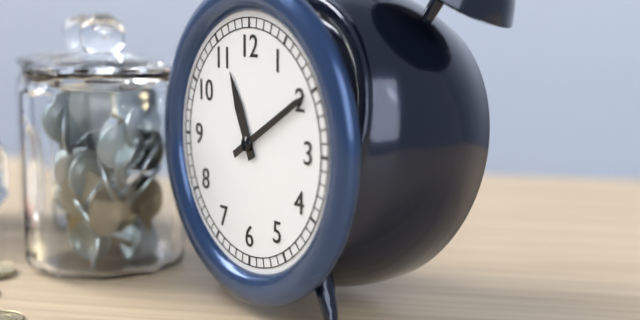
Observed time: 11:10
